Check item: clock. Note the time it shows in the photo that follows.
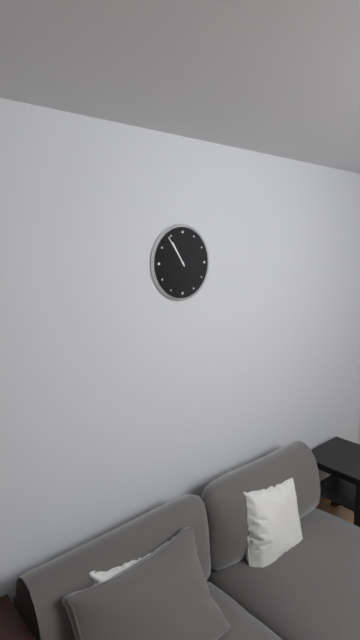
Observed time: 10:54
